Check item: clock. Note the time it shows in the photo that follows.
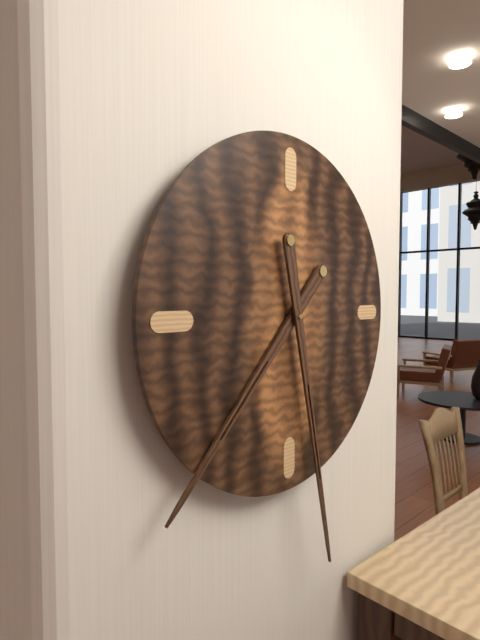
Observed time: 7:28
